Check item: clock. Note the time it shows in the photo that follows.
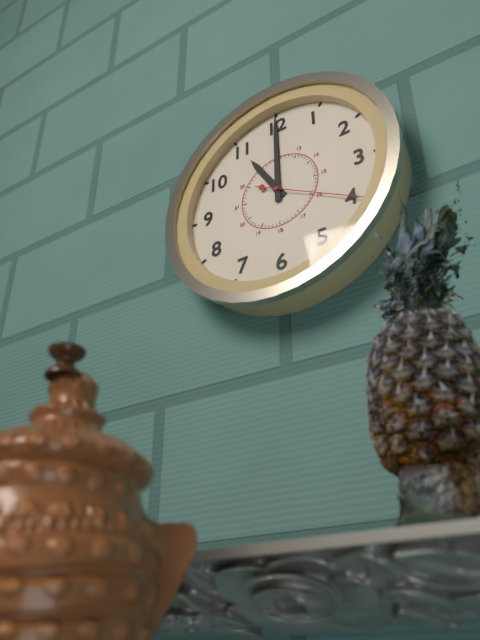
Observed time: 11:00:20
